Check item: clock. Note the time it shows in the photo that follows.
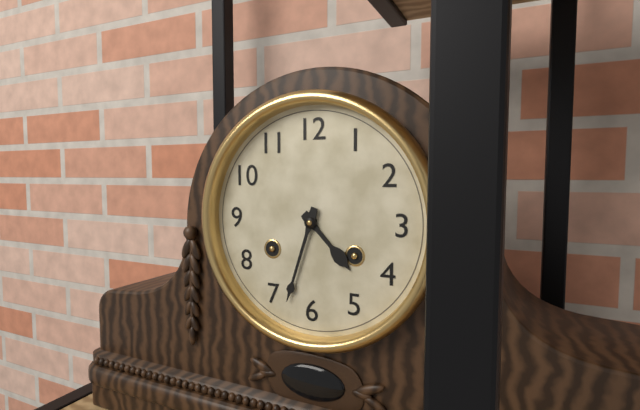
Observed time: 4:33
